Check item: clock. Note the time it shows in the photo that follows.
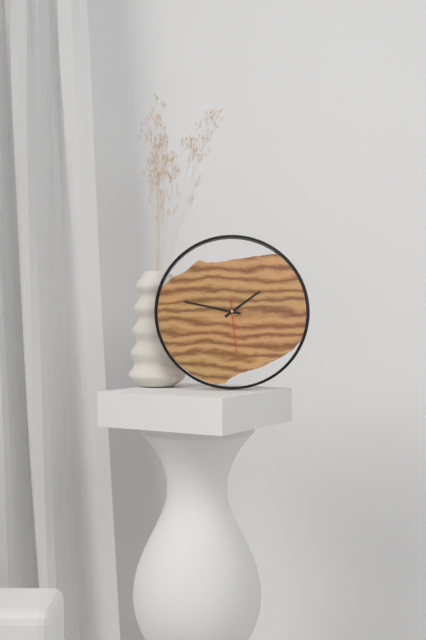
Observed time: 1:47:29
